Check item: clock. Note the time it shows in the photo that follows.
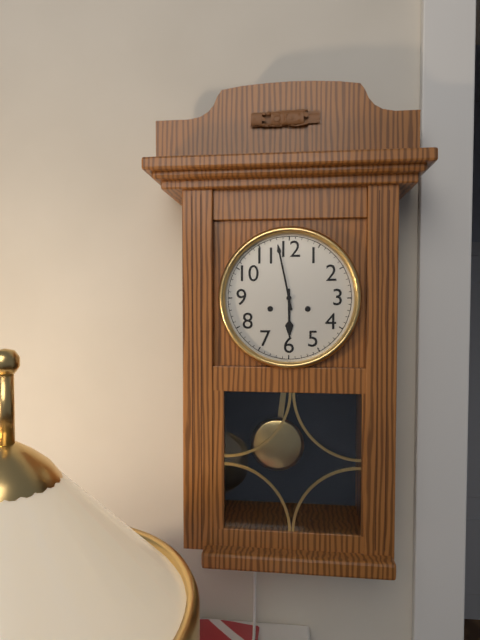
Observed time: 5:58
